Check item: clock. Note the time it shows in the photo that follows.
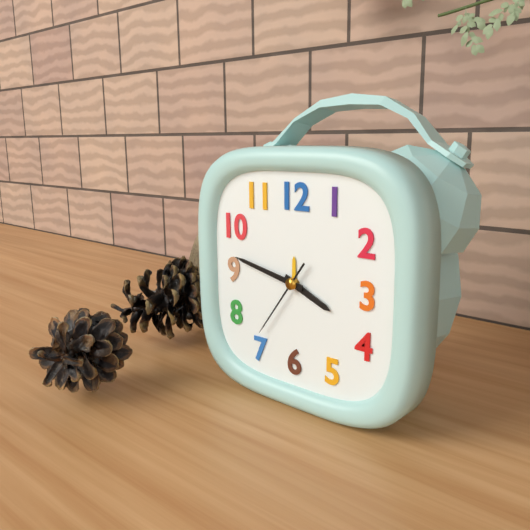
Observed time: 3:47:36
